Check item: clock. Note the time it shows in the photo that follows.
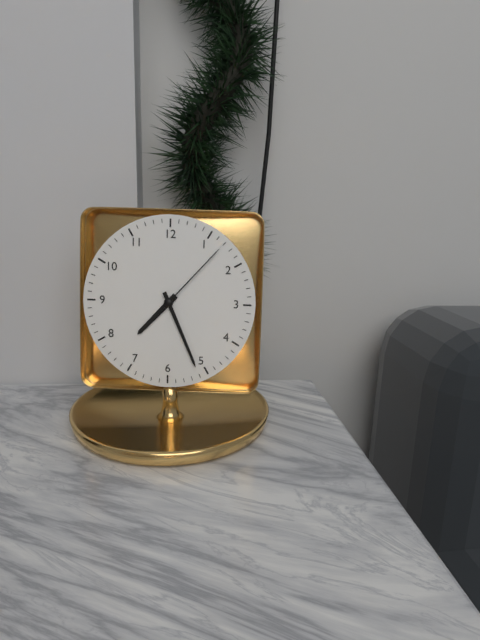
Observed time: 7:26:07
